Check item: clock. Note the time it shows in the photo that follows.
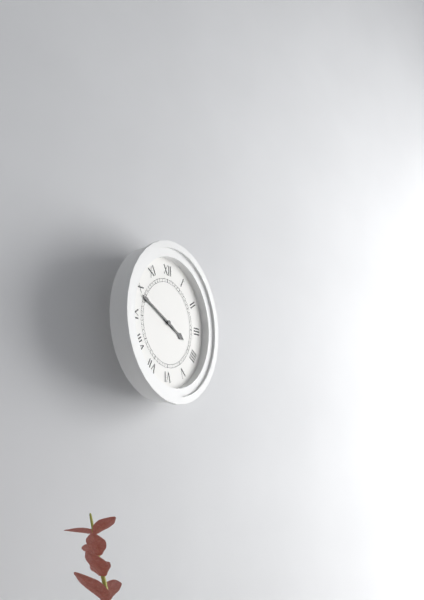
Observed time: 3:49
